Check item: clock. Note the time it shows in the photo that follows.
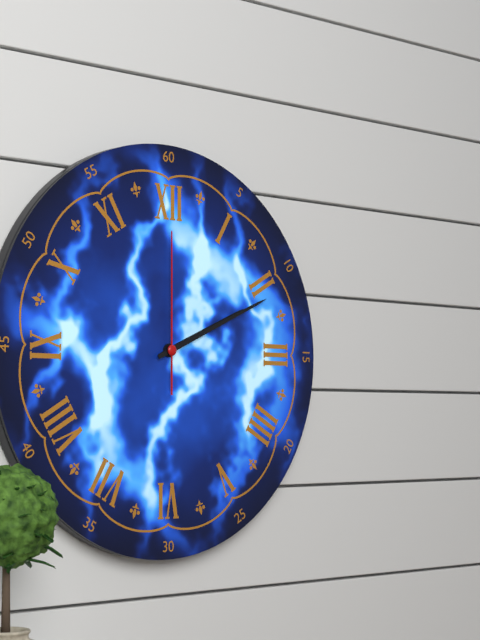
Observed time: 2:11:00
